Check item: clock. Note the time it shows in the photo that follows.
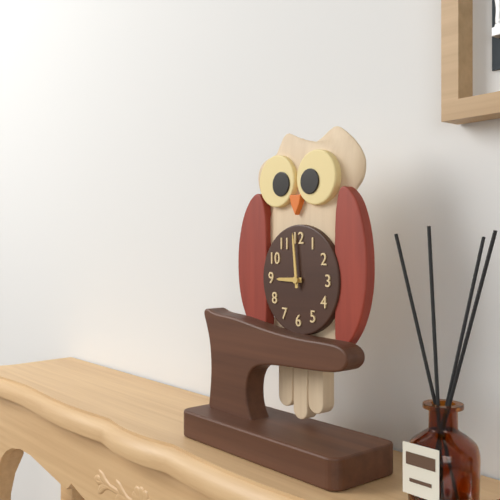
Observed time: 8:59
